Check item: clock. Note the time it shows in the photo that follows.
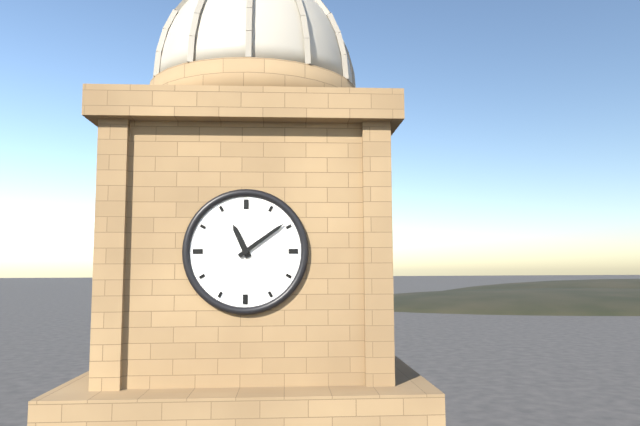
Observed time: 11:09
